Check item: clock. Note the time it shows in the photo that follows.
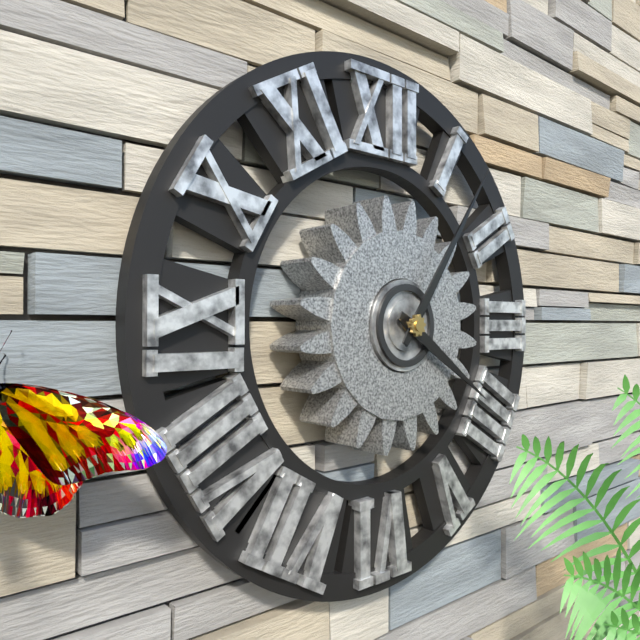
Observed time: 4:06
